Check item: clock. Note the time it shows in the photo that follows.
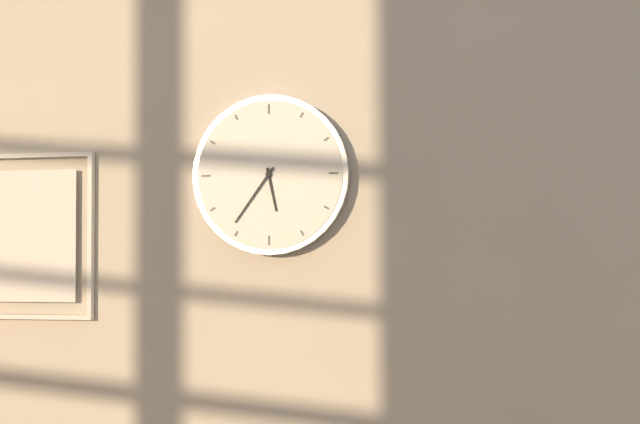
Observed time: 5:36
